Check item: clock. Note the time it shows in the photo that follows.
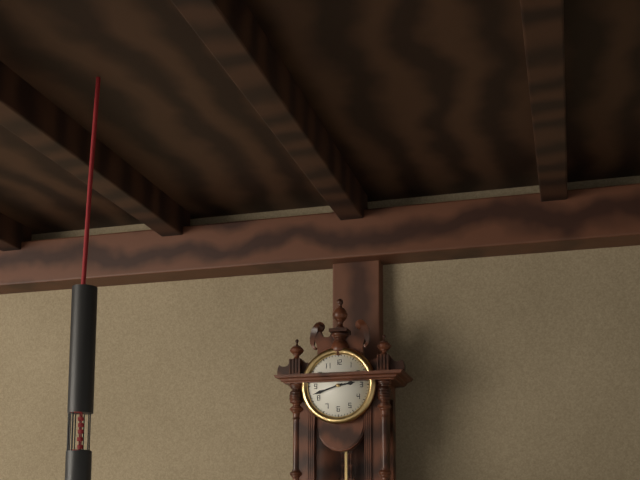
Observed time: 2:42
